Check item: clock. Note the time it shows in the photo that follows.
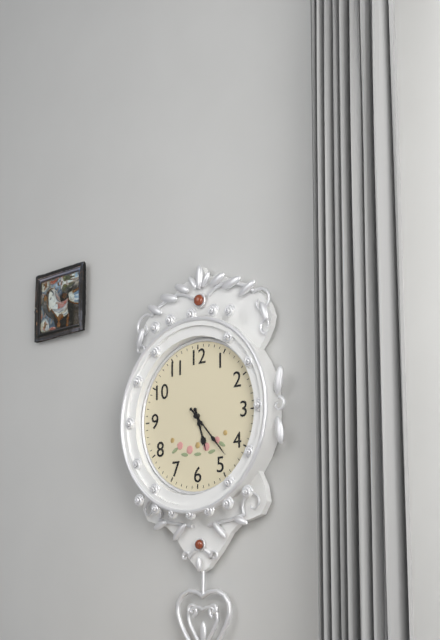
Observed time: 5:23
